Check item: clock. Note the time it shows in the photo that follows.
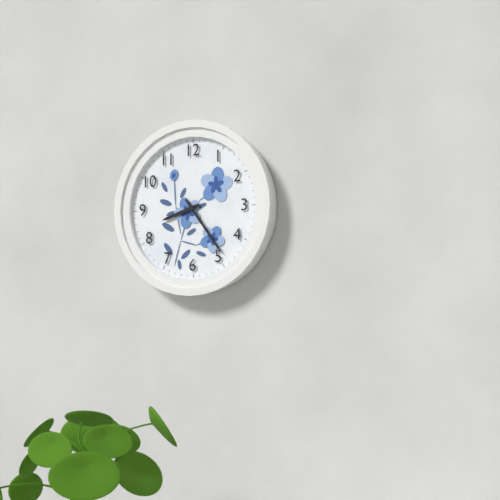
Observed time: 8:24
